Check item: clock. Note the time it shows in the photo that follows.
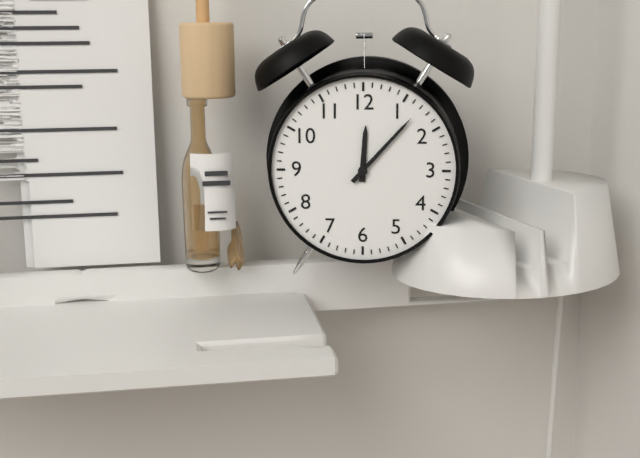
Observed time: 12:07
